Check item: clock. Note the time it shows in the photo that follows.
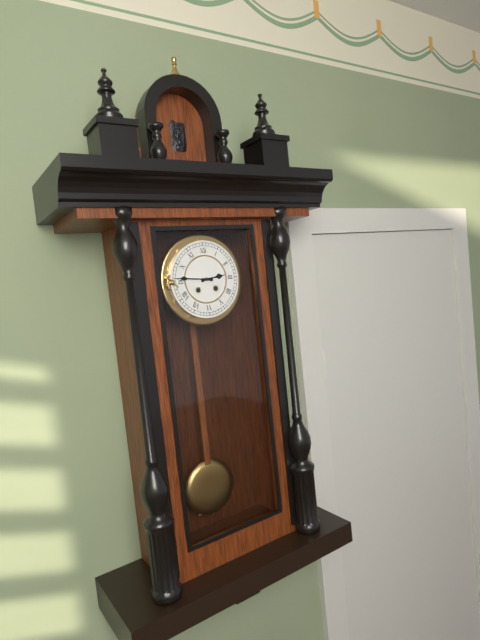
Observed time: 2:46
